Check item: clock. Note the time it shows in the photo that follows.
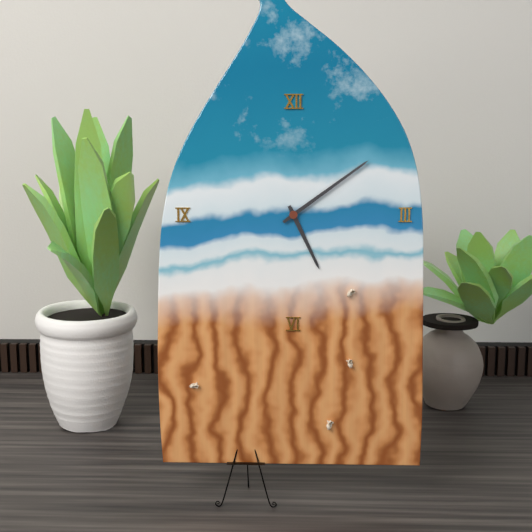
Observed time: 5:09
